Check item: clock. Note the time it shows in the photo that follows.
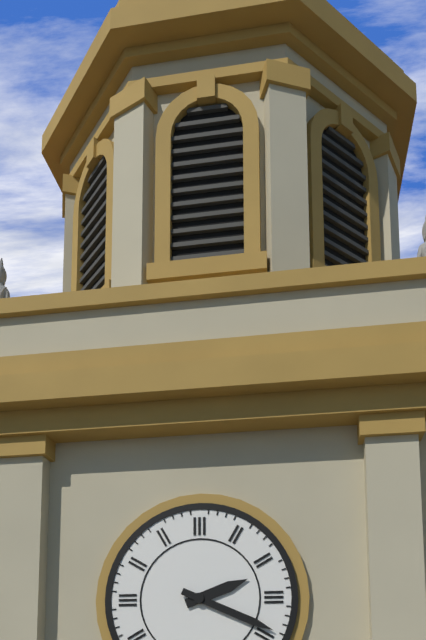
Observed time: 2:19
